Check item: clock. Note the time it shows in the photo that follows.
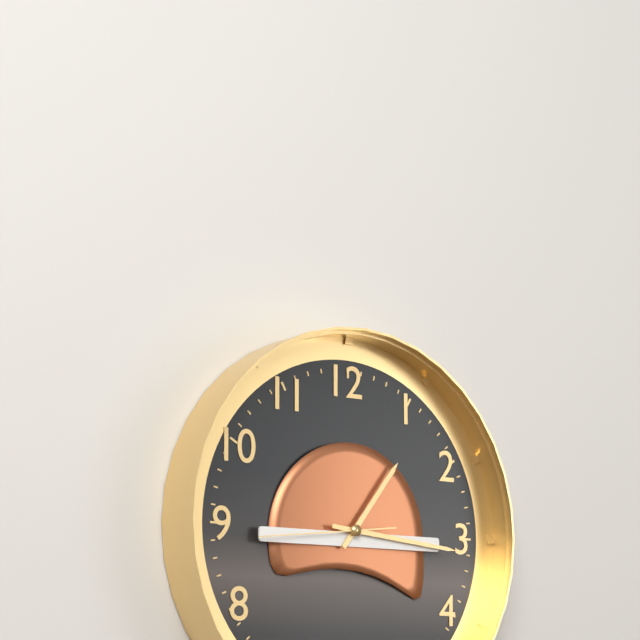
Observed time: 1:16:44
